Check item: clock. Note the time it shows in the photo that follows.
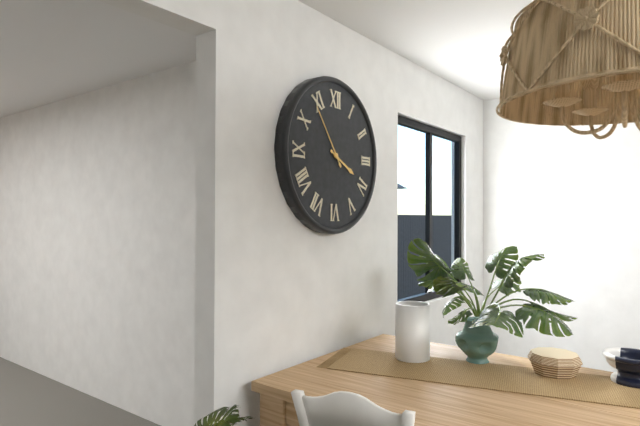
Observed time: 3:54
